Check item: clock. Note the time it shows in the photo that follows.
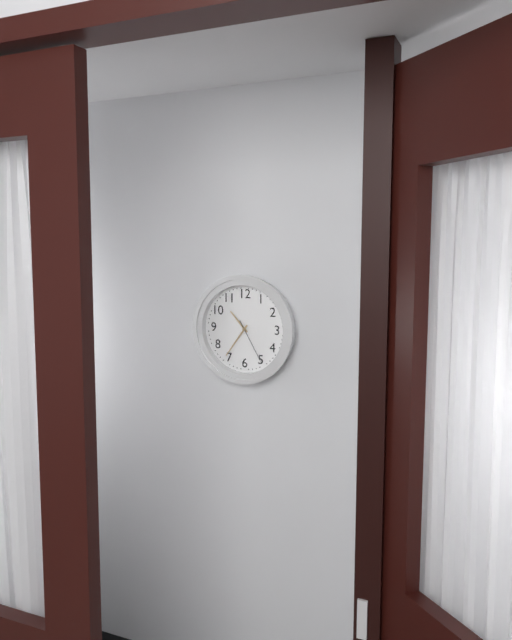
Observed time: 10:36
